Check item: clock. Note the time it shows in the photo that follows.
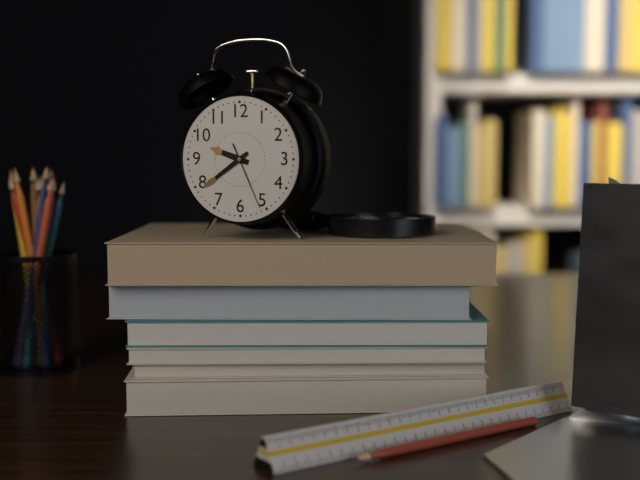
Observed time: 9:39:26
